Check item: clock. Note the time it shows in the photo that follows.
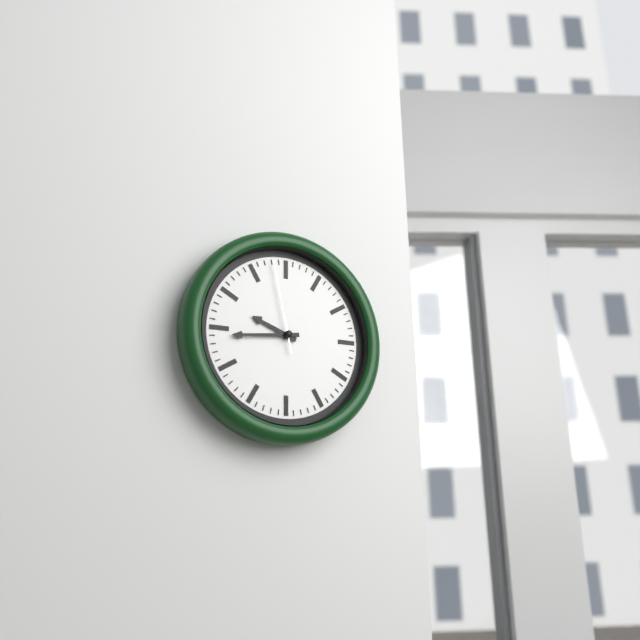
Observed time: 9:44:58
